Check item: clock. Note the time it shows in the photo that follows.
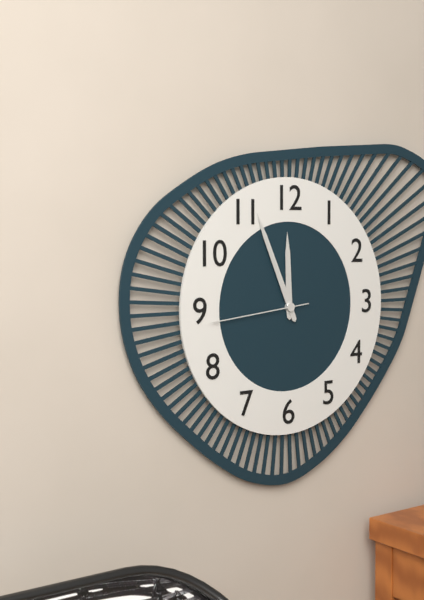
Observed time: 11:56:44
